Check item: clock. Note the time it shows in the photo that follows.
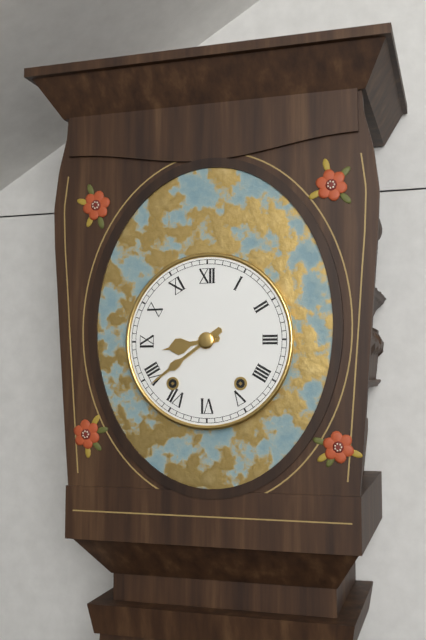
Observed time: 8:39
